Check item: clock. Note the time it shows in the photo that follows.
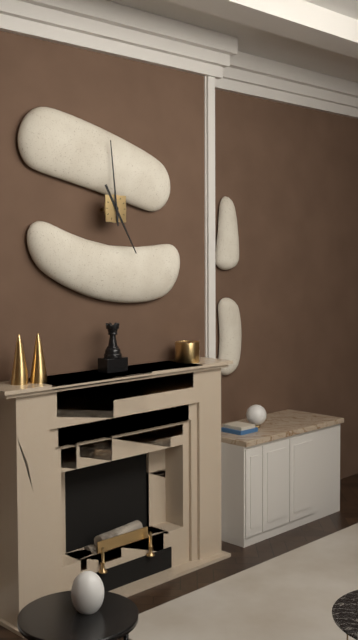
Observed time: 4:59
